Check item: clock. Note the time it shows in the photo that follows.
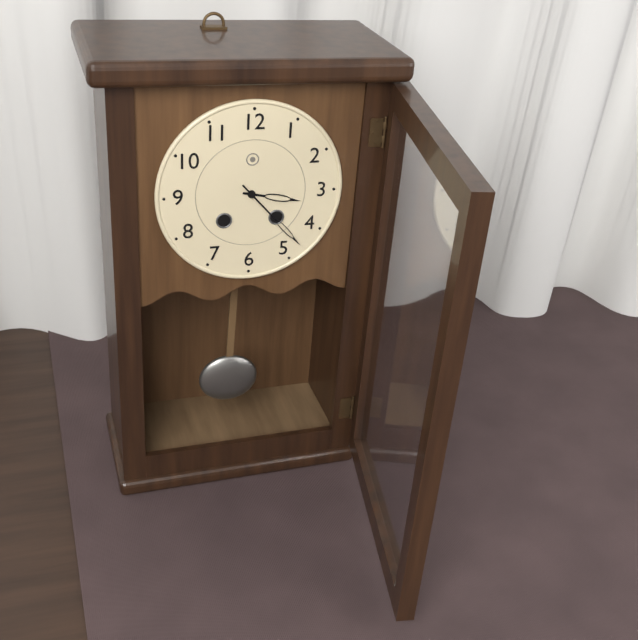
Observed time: 3:23
